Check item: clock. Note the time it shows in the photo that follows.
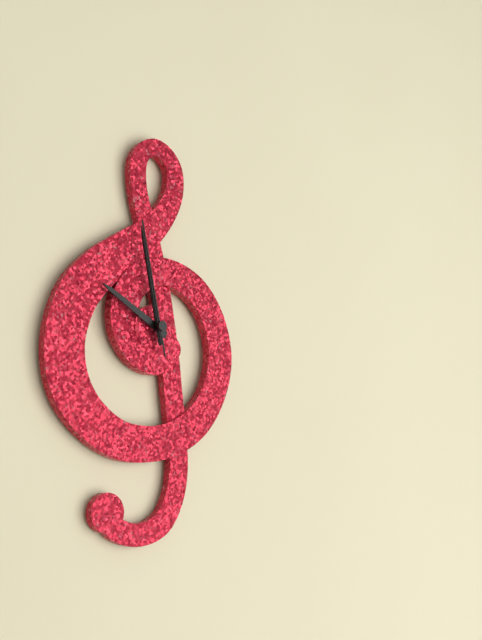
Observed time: 9:58:58
